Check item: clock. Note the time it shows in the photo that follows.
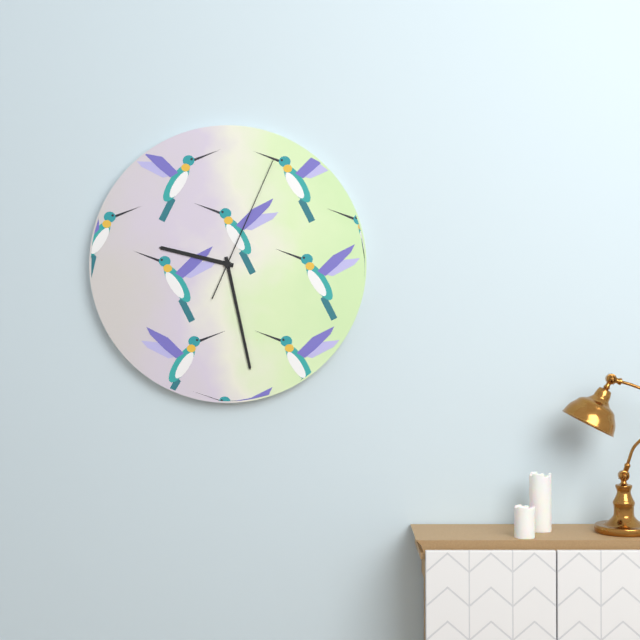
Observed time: 9:28:04
